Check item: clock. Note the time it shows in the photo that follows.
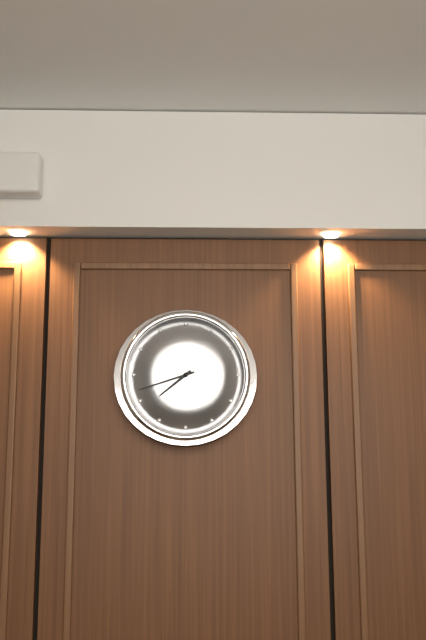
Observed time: 7:42
